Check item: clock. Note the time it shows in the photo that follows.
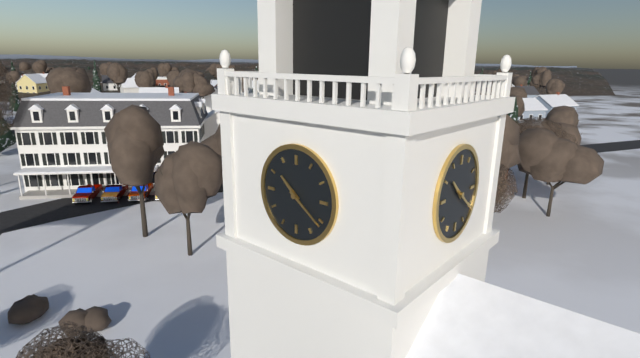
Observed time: 10:21
